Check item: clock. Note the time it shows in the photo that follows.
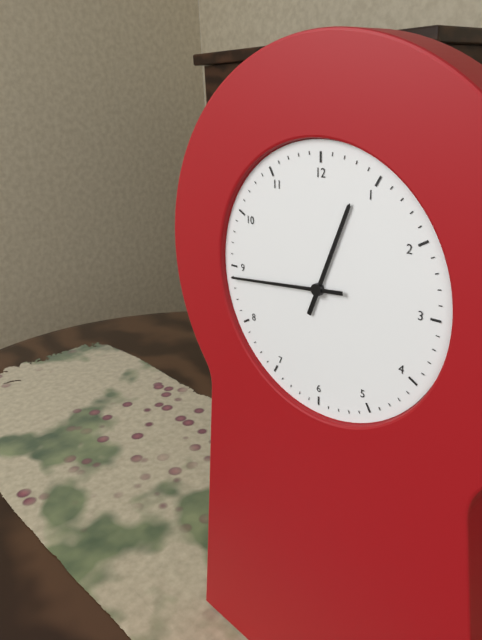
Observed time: 12:44
